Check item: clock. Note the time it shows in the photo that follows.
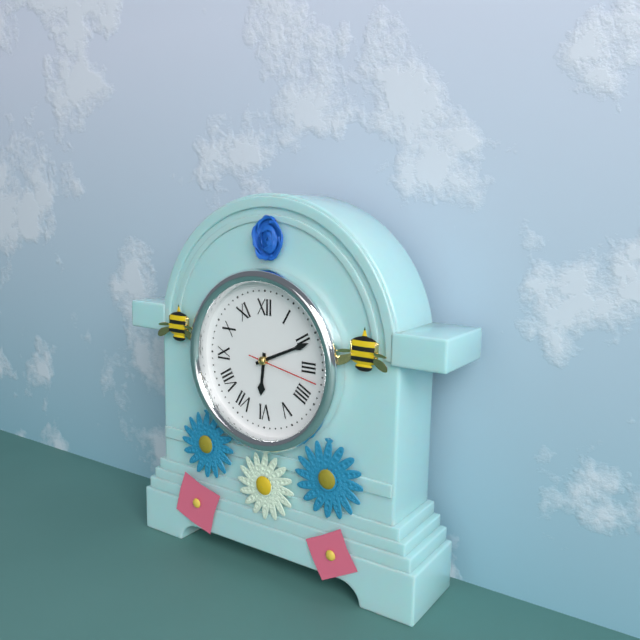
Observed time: 6:11:17
